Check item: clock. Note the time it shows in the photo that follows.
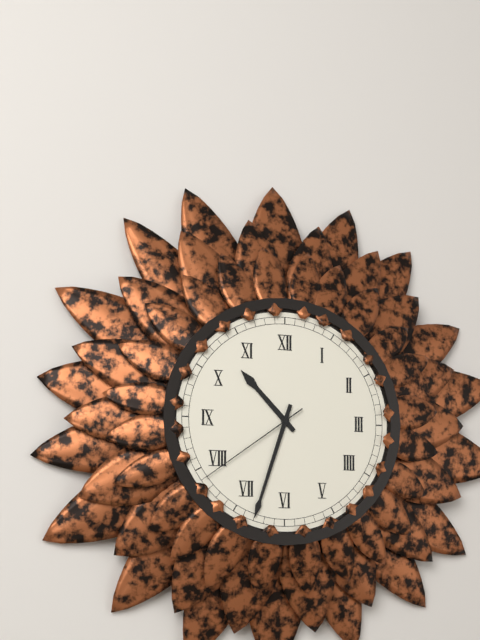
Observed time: 10:33:39
